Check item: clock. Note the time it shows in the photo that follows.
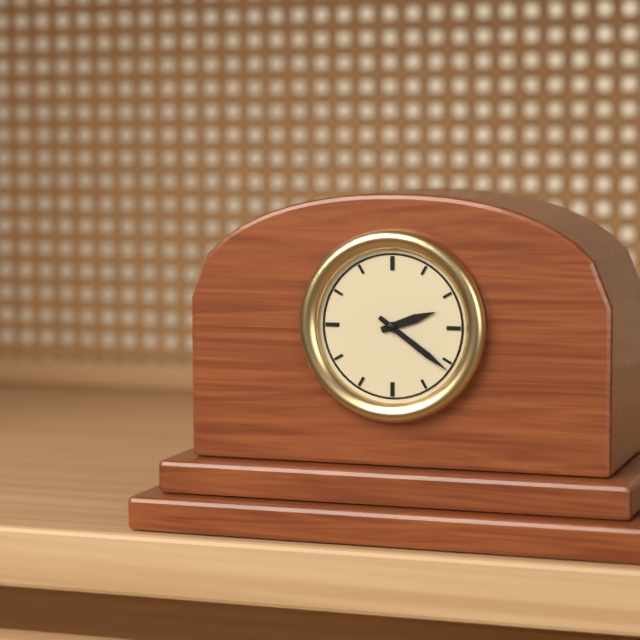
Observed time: 2:21
